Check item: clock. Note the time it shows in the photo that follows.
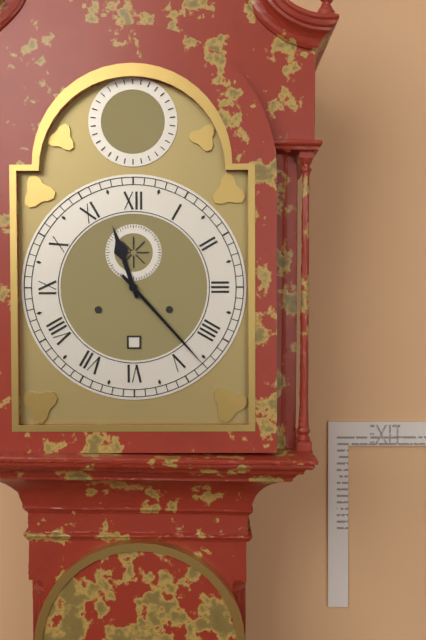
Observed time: 11:23
